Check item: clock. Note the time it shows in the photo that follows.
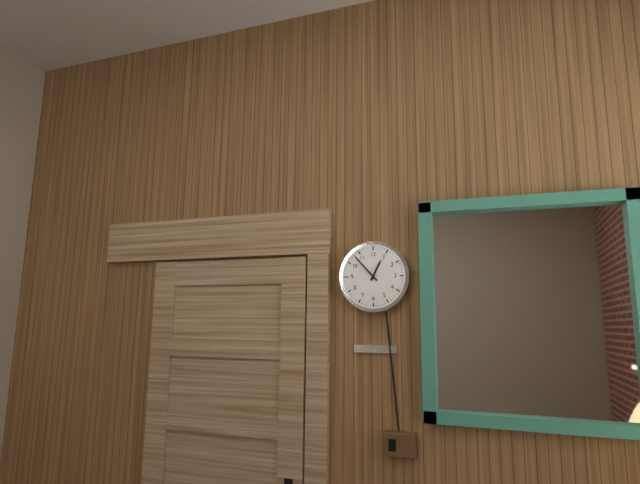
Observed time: 12:53
